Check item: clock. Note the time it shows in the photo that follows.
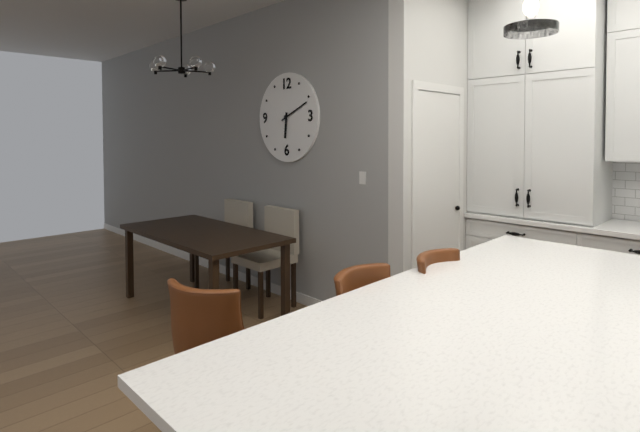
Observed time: 6:11
